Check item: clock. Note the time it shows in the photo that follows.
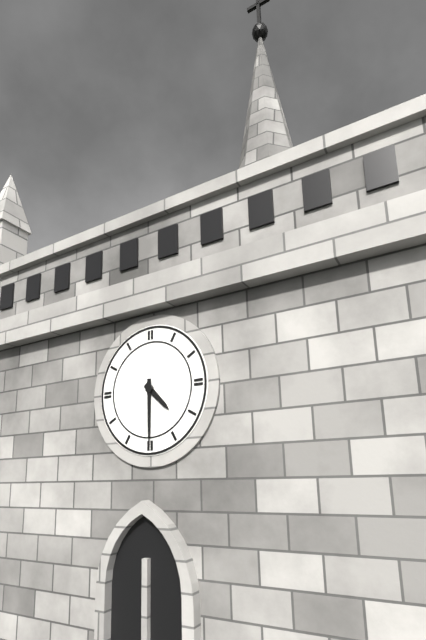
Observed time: 4:30
